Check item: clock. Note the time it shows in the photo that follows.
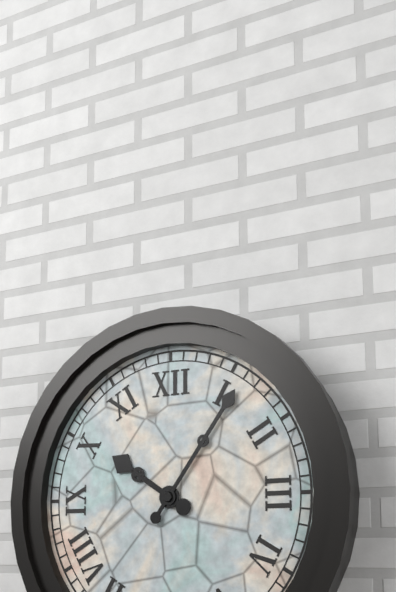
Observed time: 10:06
